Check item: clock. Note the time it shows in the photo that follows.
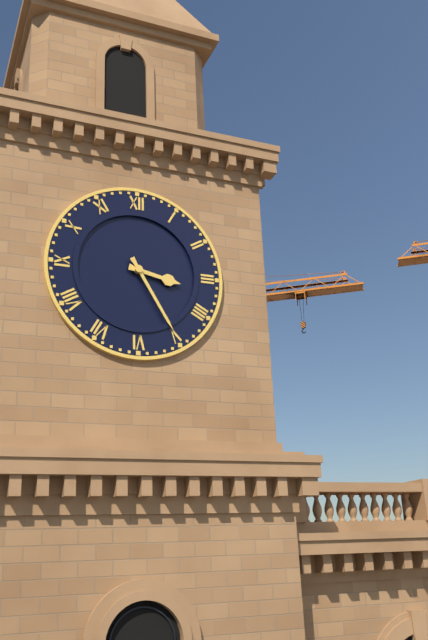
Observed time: 3:25
